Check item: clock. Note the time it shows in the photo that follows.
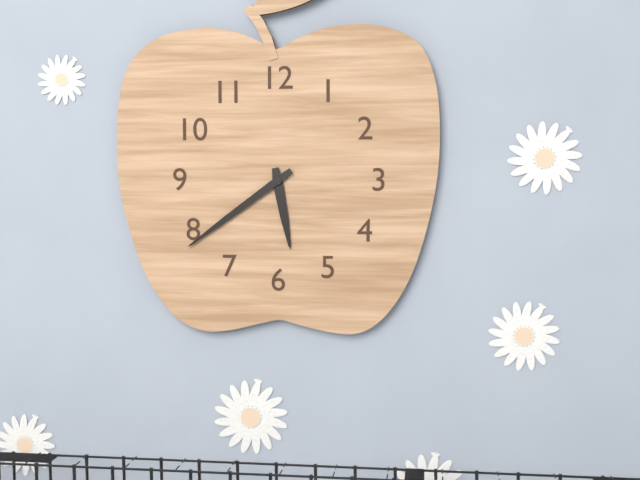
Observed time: 5:39
